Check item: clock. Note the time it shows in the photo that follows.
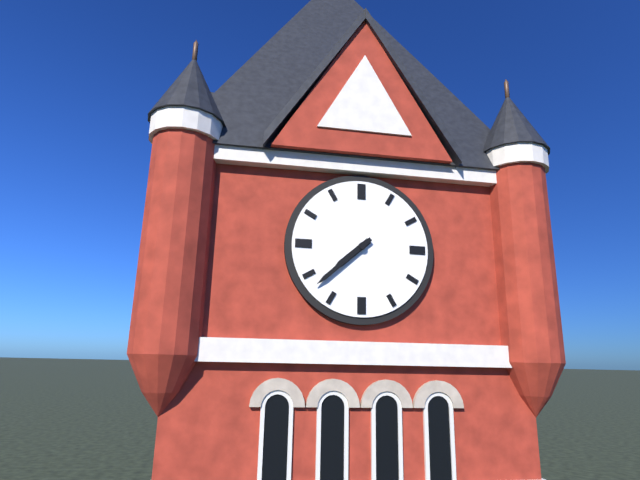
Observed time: 7:38
